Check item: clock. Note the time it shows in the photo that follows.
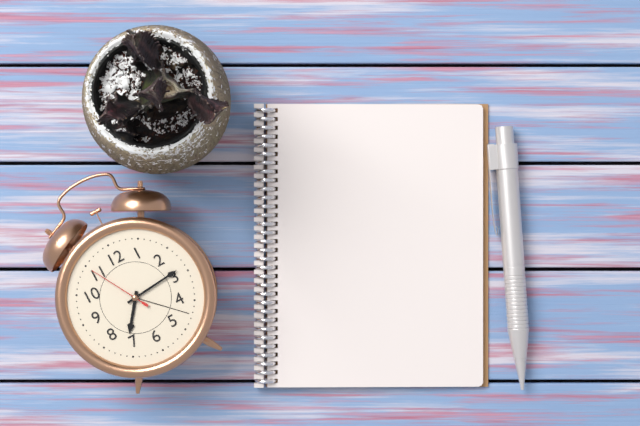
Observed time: 7:14:55
